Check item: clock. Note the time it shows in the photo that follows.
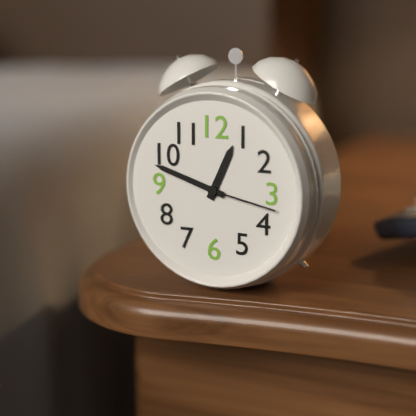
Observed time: 12:48:17
